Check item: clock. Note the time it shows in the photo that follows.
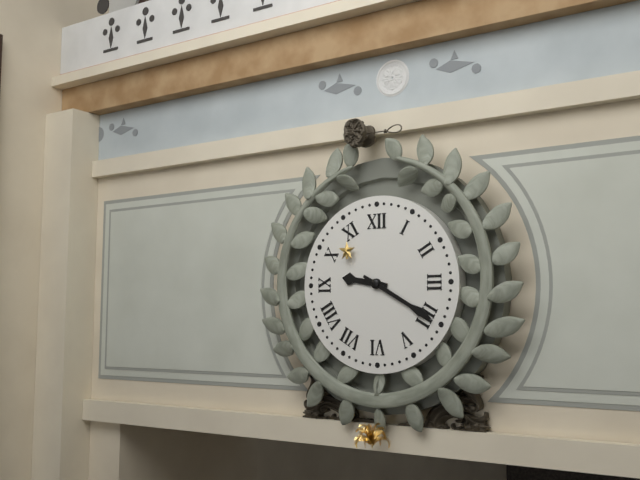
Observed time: 9:20
